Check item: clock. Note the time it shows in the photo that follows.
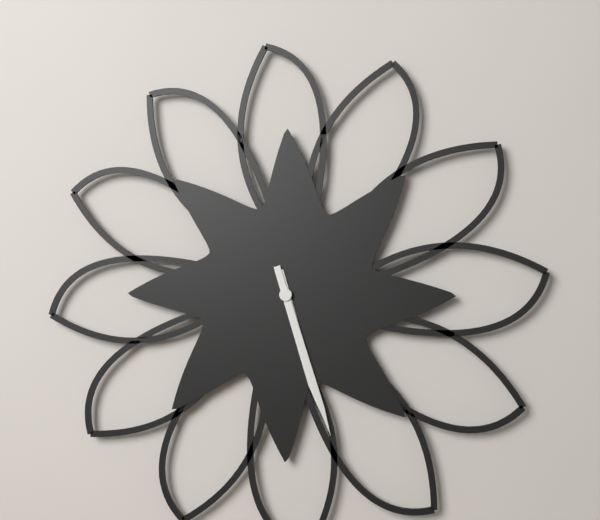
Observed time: 5:27
